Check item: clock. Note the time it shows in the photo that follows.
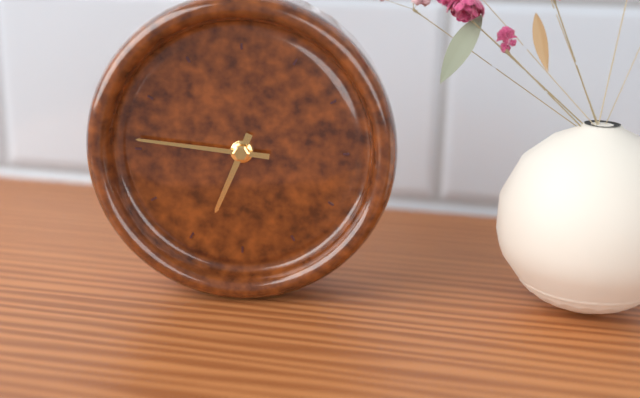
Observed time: 6:46
